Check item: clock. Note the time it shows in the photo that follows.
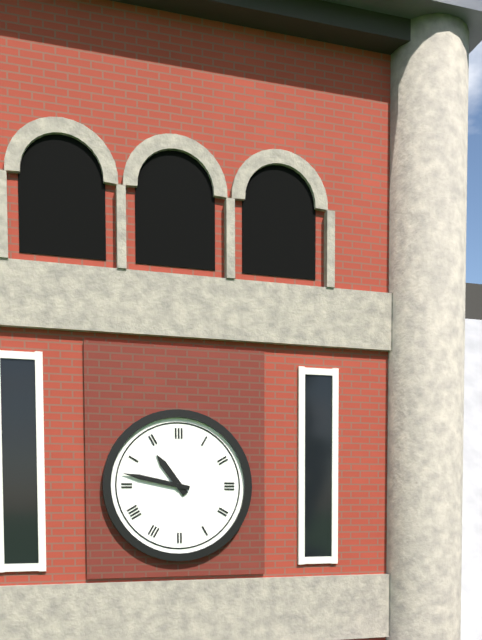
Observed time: 10:47
